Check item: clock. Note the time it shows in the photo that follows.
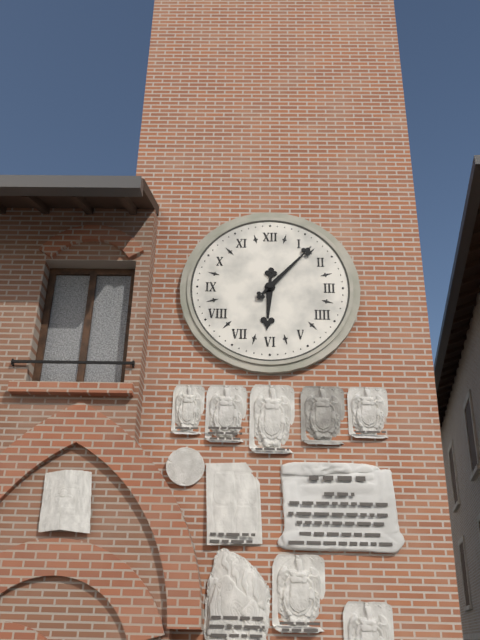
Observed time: 6:07
